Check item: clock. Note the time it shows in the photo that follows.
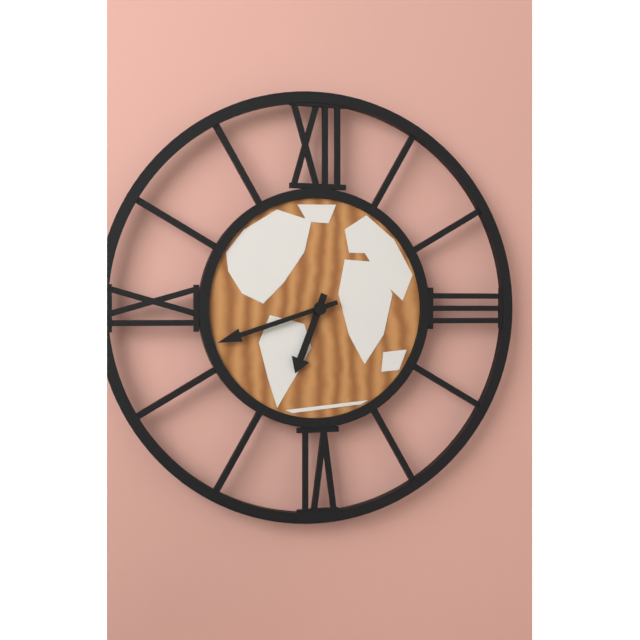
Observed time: 6:42
